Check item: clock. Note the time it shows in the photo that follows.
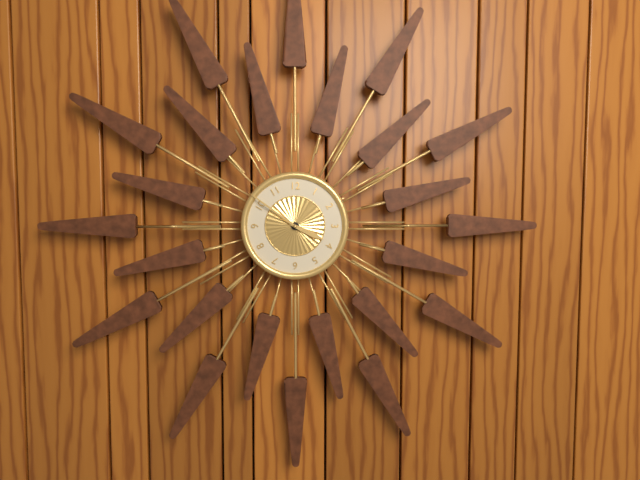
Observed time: 3:51
